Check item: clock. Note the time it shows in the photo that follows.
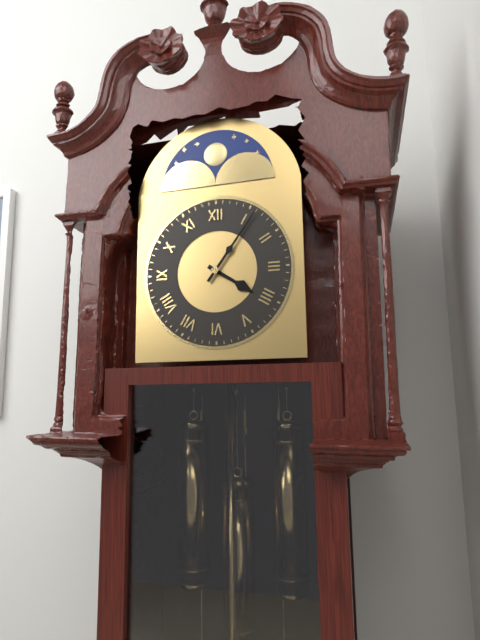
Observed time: 4:06
